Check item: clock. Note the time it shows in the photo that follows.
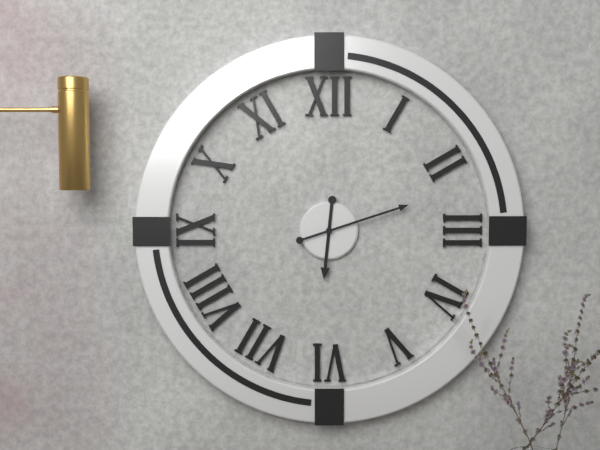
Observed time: 6:12
